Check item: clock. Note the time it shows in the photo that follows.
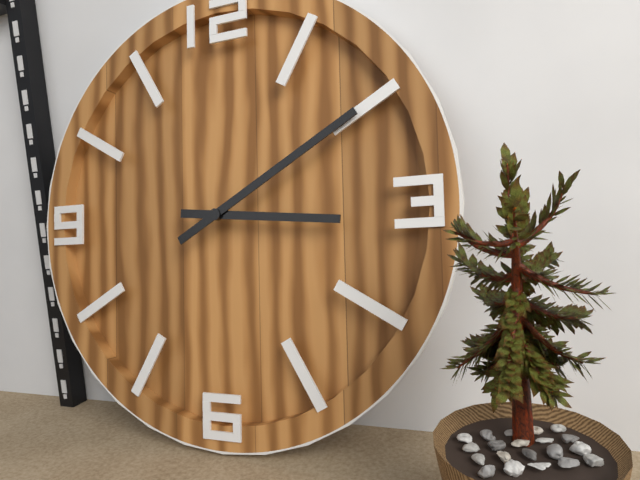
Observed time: 3:10
